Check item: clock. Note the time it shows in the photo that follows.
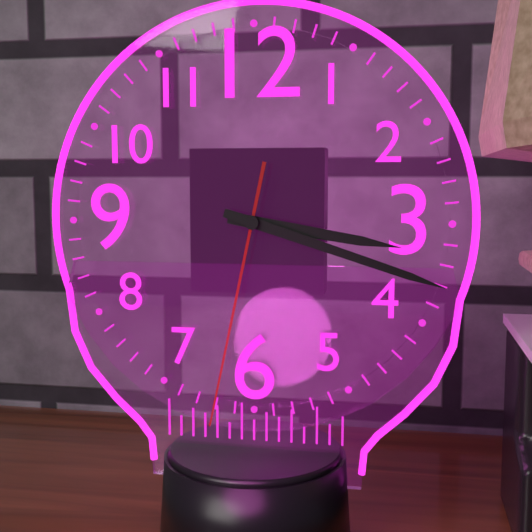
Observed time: 3:18:32
